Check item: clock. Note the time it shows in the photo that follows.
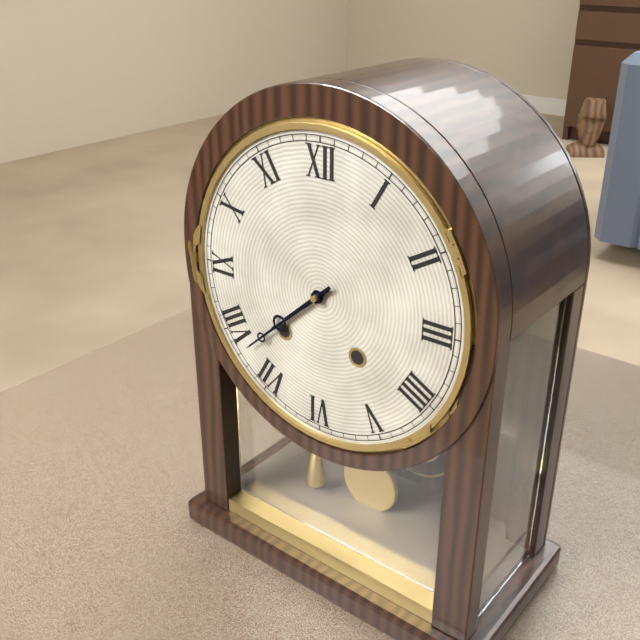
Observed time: 7:38
